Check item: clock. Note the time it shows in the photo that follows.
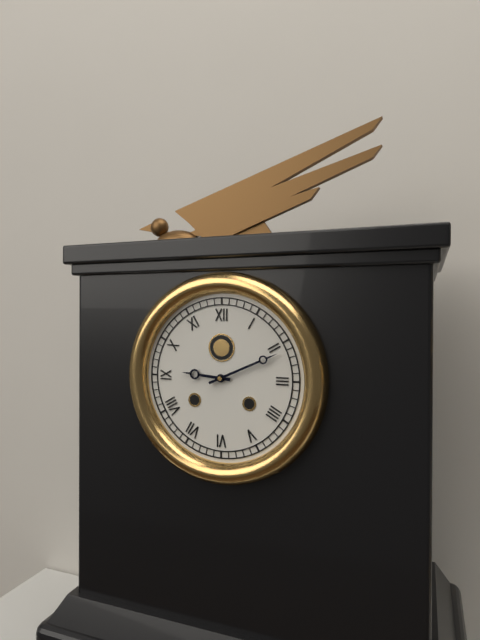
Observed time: 9:11
